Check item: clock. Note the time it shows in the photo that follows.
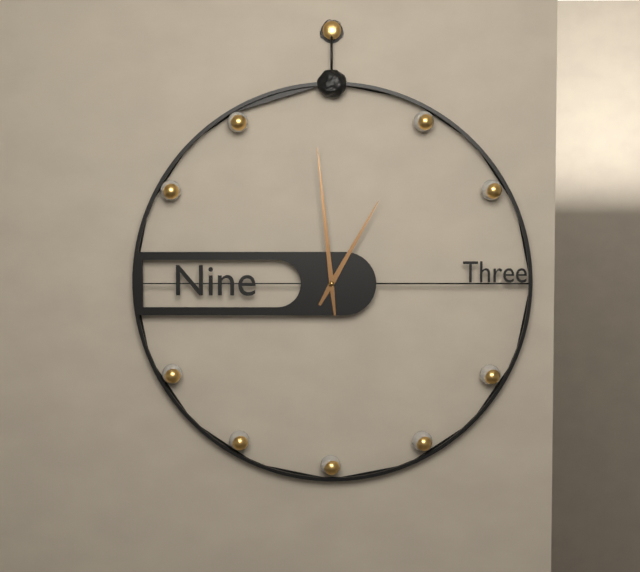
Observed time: 12:59
